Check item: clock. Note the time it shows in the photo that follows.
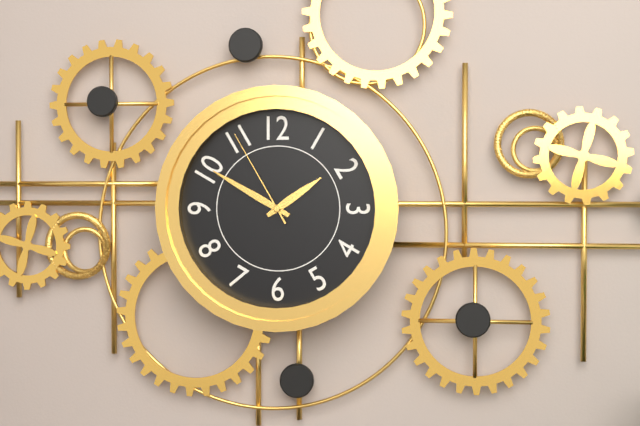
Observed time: 1:50:55
